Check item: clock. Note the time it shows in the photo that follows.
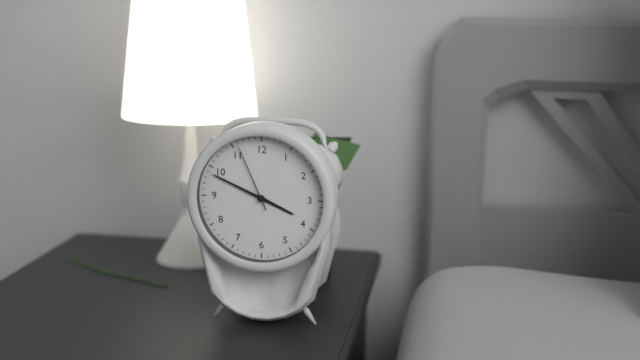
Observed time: 3:49:56
